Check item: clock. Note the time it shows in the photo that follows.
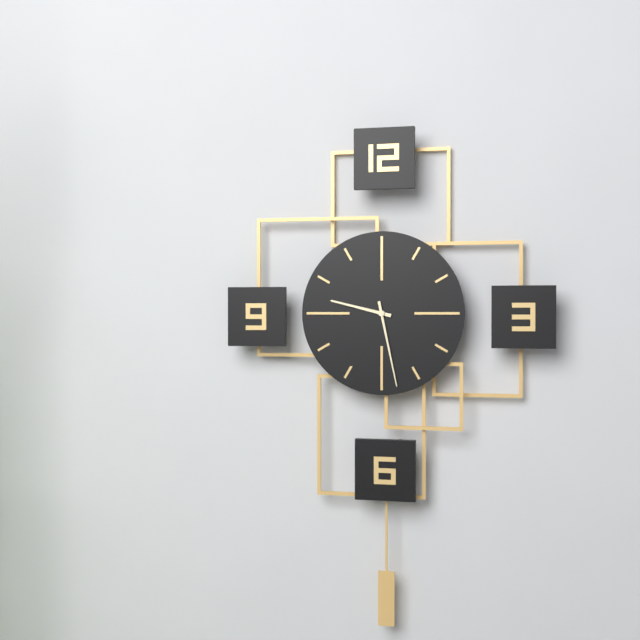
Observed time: 9:28
